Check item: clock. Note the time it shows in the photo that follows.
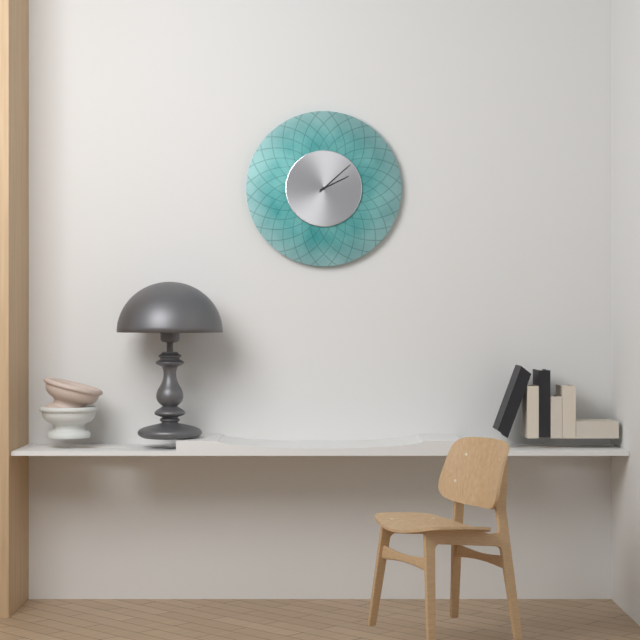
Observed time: 2:08
